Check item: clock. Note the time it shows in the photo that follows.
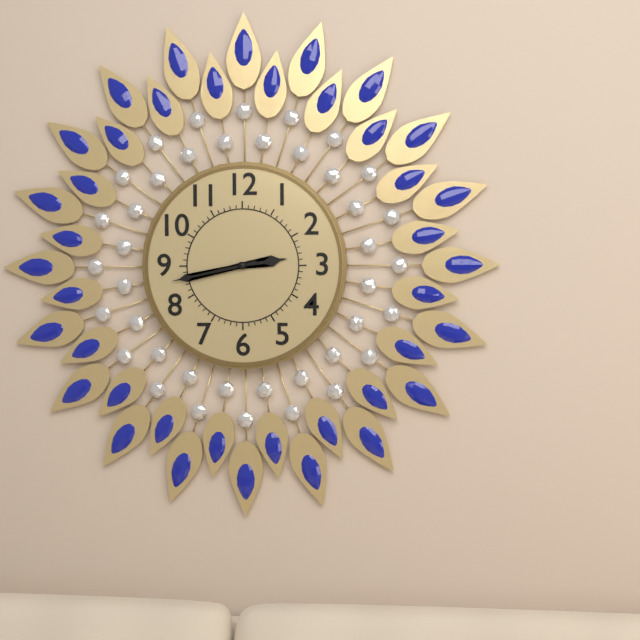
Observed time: 2:43
